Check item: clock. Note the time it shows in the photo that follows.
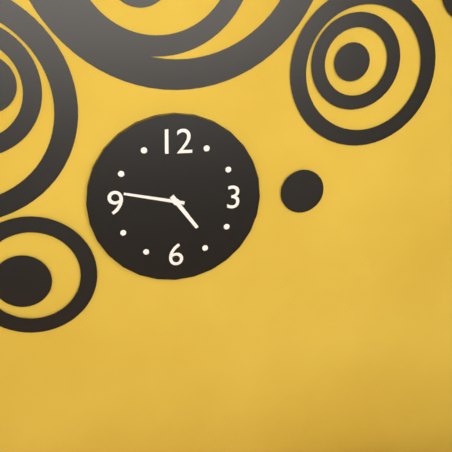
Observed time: 4:47
